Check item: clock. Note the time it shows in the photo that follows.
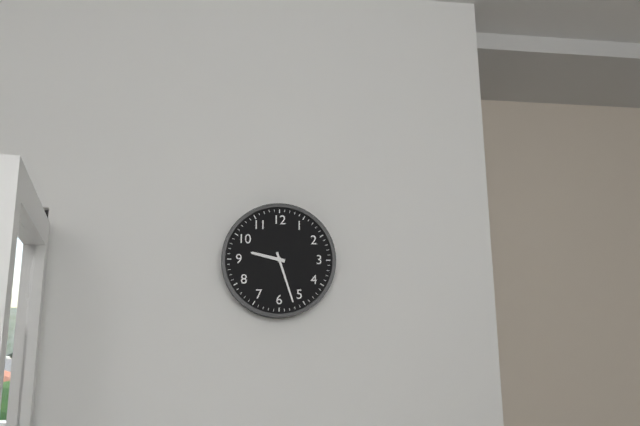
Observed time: 9:27
